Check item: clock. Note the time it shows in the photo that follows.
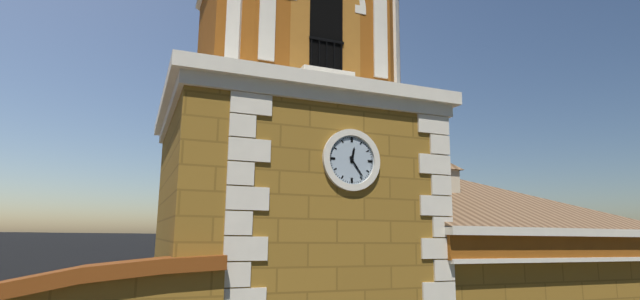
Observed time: 12:24
